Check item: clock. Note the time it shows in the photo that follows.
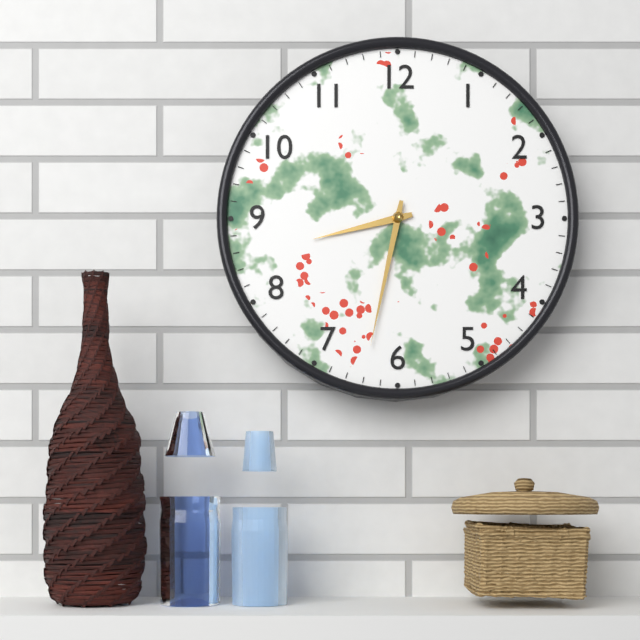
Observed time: 8:32
